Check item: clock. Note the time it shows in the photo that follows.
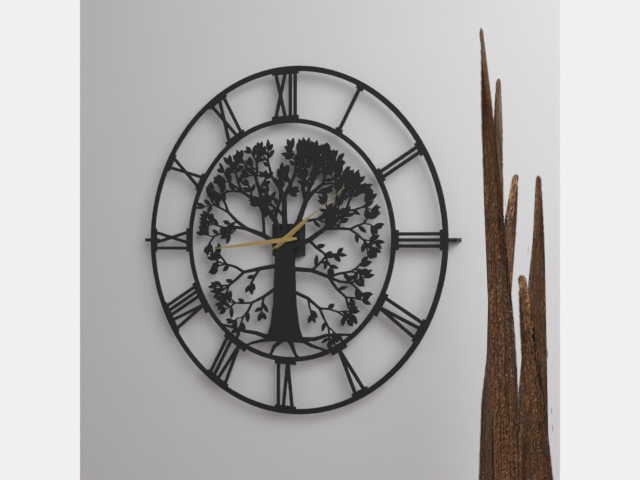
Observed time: 1:44:09
